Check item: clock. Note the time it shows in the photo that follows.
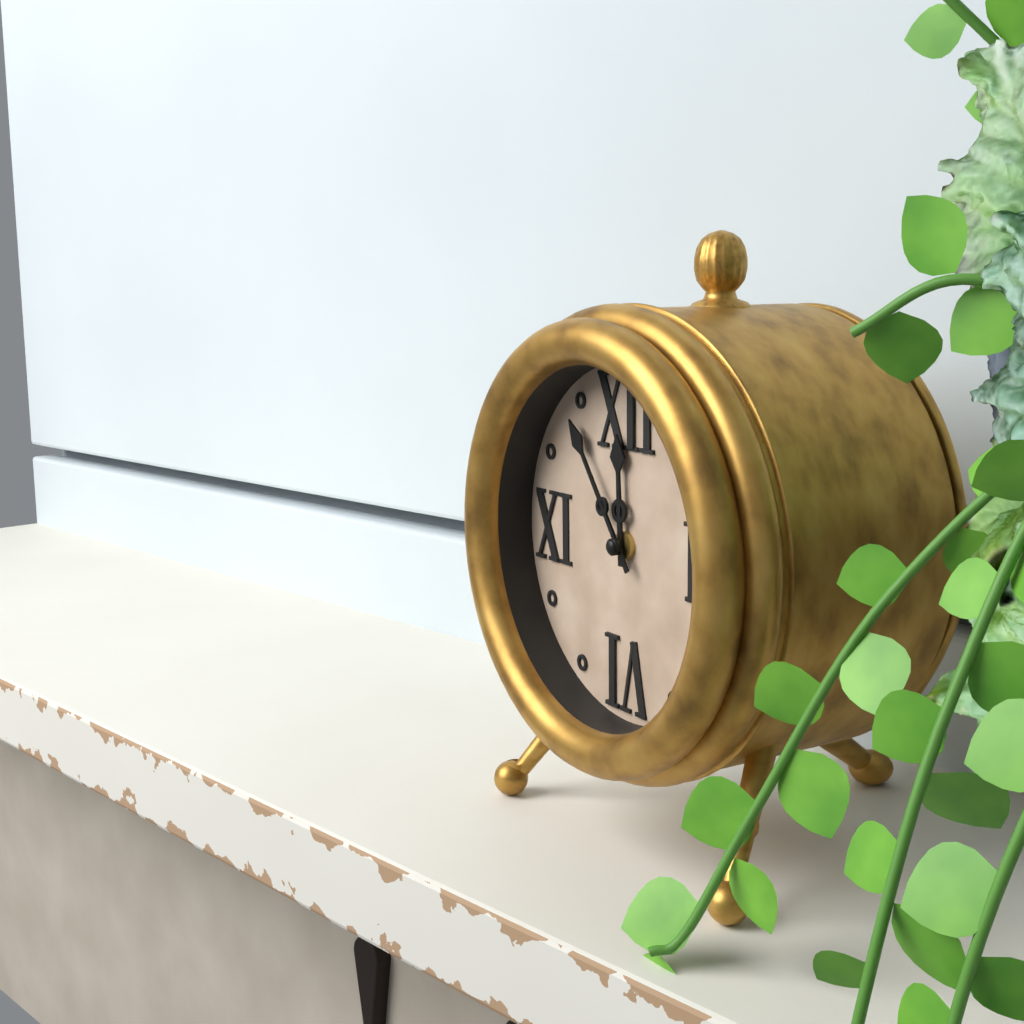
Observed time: 11:54
